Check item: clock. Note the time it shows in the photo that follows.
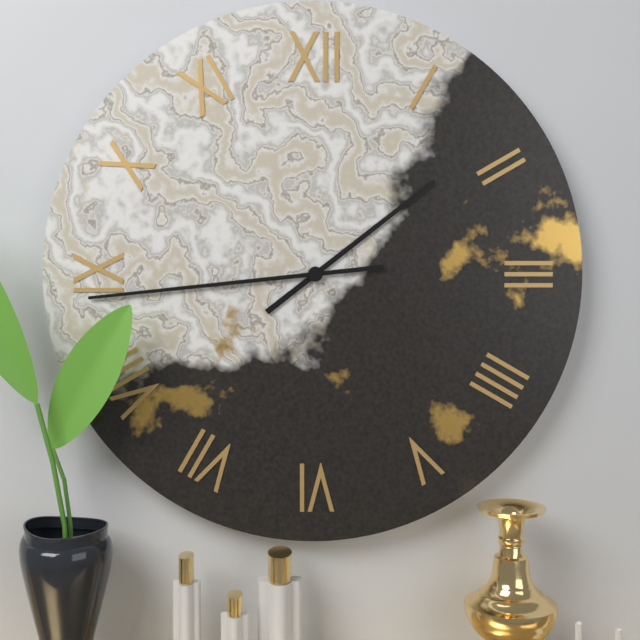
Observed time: 1:44
